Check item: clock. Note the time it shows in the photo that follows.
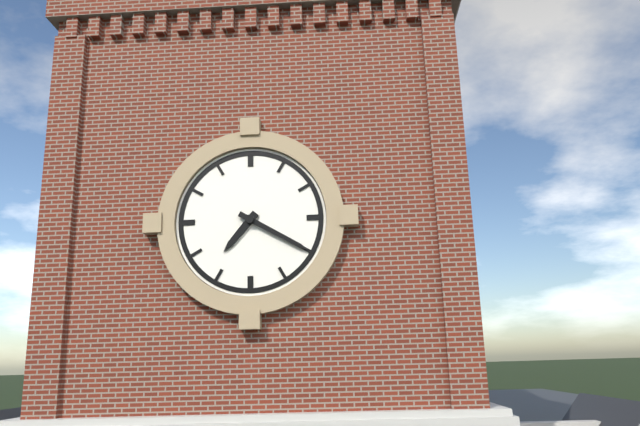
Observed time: 7:20
